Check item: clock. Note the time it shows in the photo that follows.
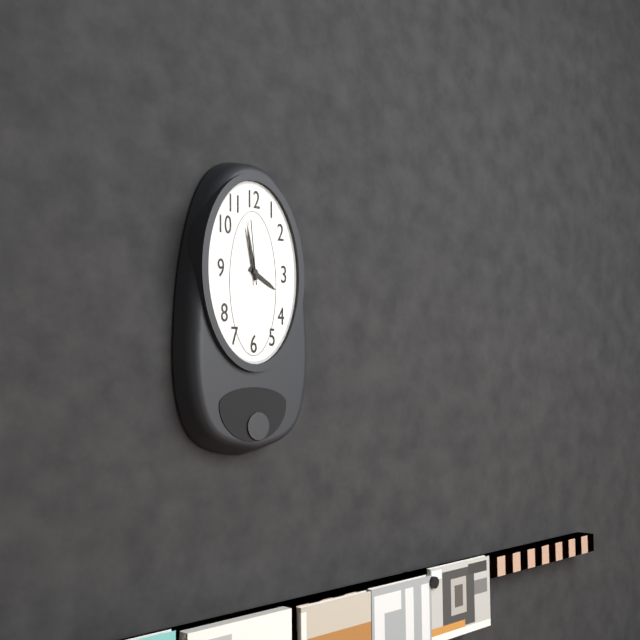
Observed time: 3:58:59
